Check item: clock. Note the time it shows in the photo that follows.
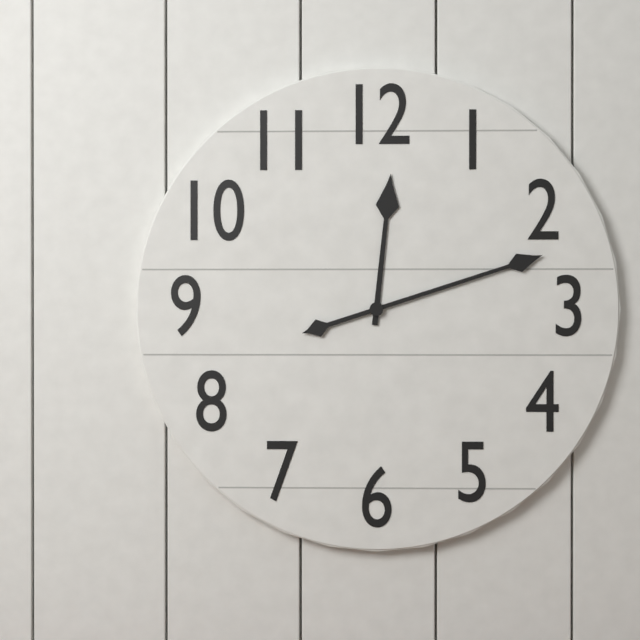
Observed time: 12:12
